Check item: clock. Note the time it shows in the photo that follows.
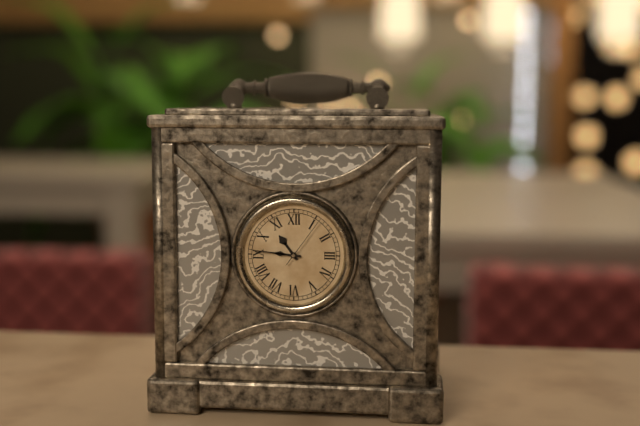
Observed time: 10:46:06
